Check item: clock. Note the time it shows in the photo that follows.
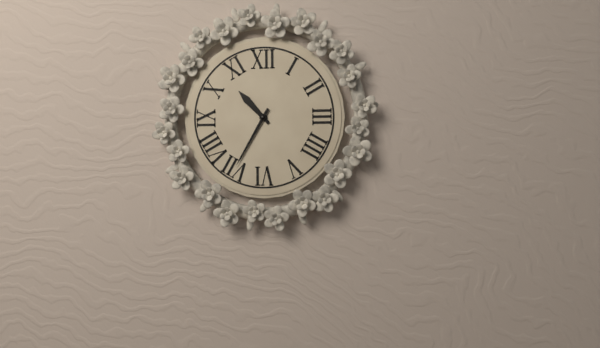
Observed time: 10:35
